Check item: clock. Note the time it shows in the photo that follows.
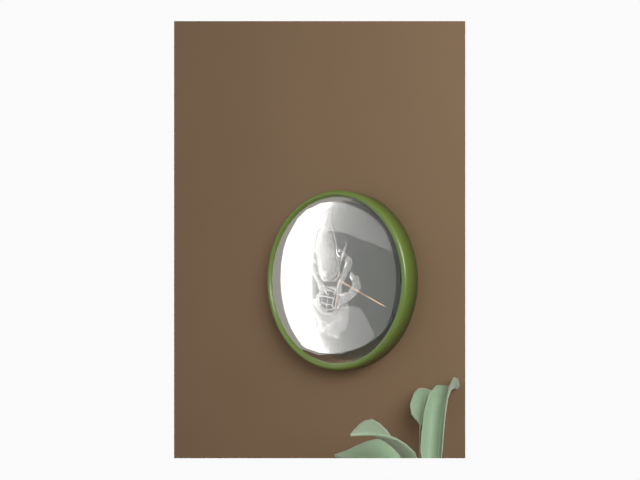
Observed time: 6:19
